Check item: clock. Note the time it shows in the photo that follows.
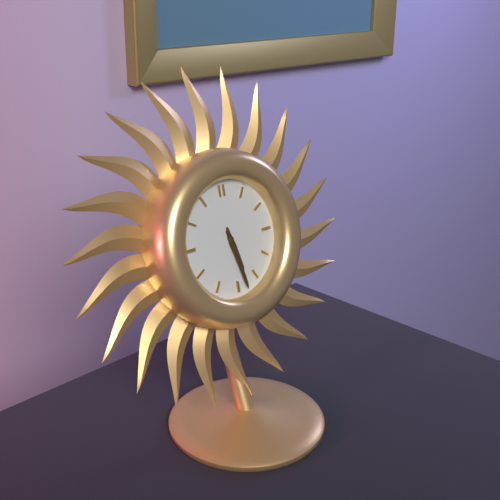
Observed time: 5:28
